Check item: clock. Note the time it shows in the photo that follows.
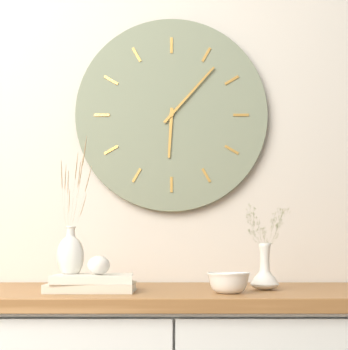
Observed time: 6:07
